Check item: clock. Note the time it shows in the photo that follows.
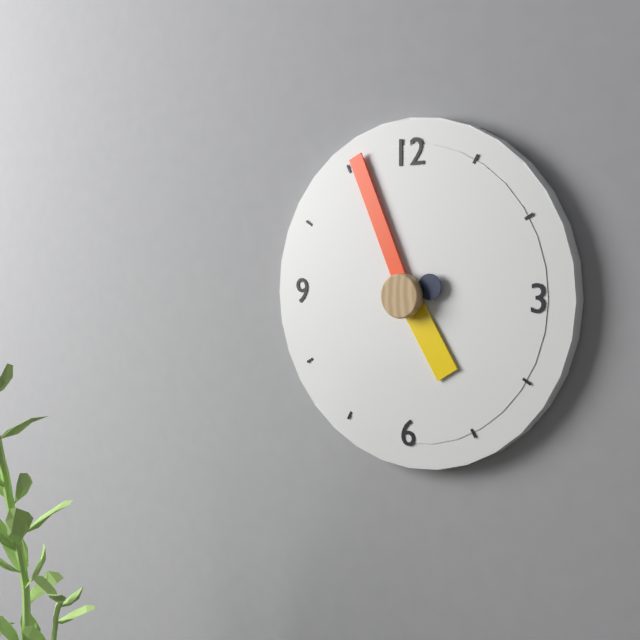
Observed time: 4:56
